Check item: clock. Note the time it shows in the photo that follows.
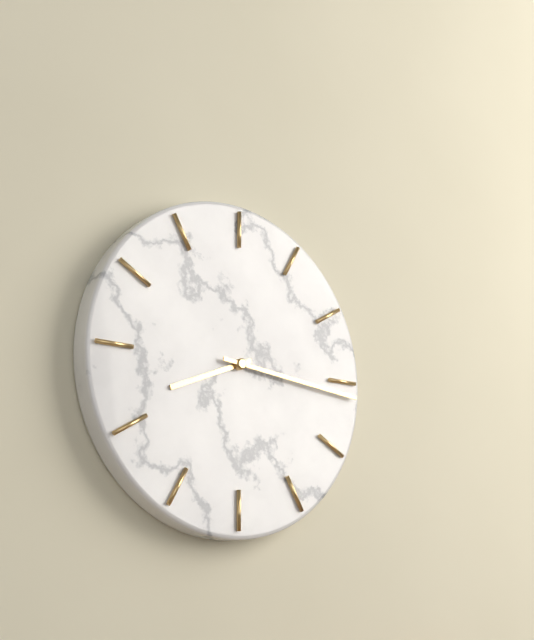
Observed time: 8:16
